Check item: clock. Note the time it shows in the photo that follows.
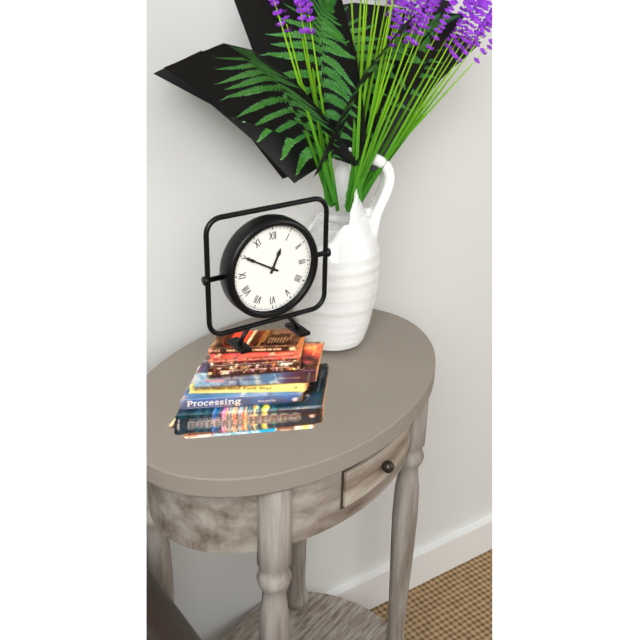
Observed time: 12:50
